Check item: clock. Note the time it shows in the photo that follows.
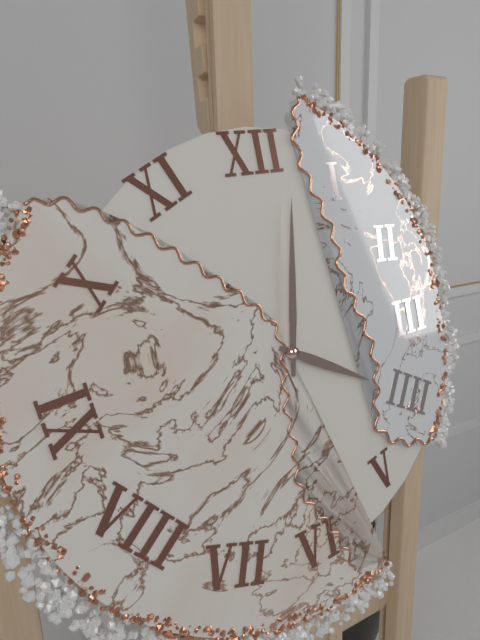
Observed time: 4:02
